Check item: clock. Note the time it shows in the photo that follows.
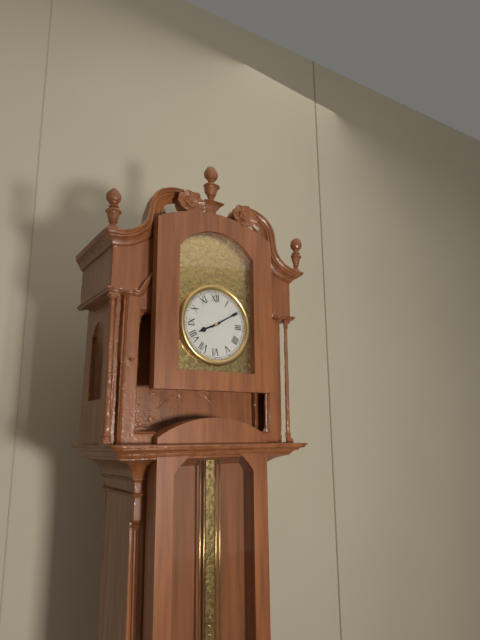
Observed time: 8:10
